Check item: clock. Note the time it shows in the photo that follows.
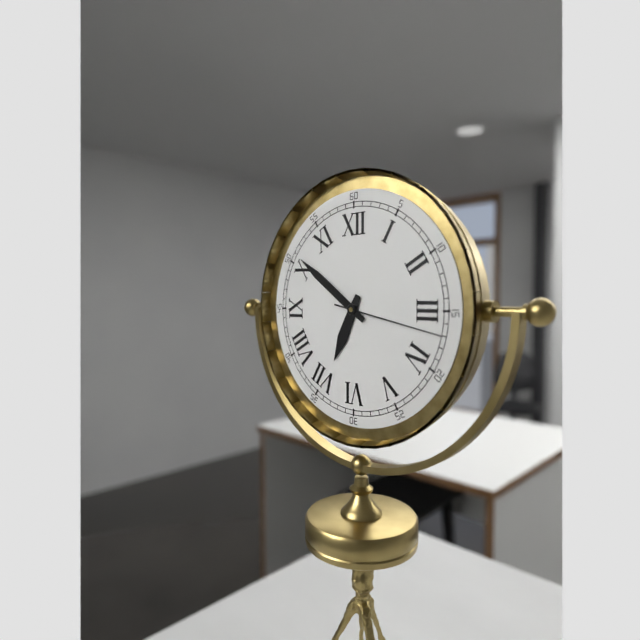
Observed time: 6:51:17
